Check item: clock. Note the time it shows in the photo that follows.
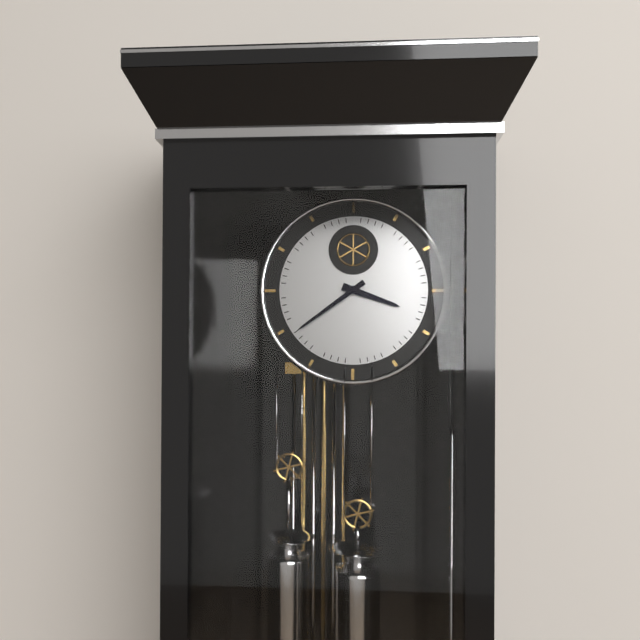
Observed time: 3:39
